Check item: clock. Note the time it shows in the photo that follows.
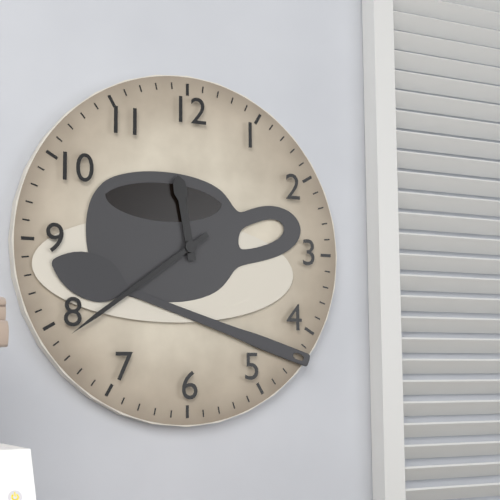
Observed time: 11:39
